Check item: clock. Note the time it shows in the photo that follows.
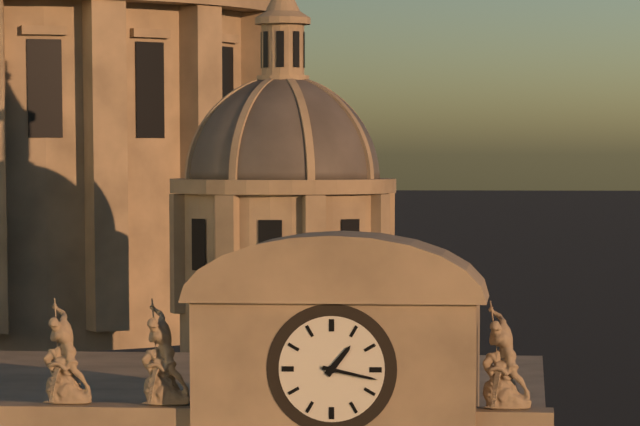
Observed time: 1:17
